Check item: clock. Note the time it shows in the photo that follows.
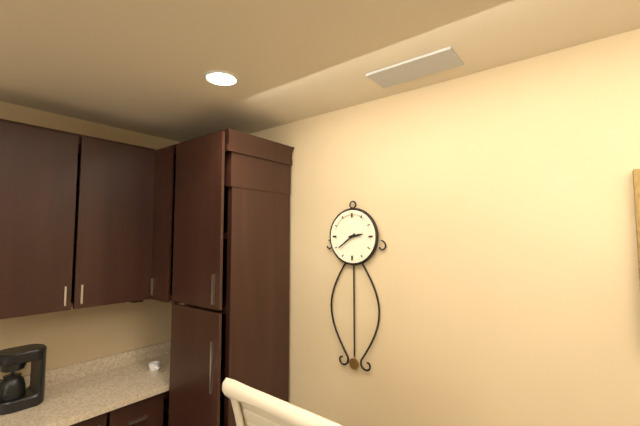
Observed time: 2:39
